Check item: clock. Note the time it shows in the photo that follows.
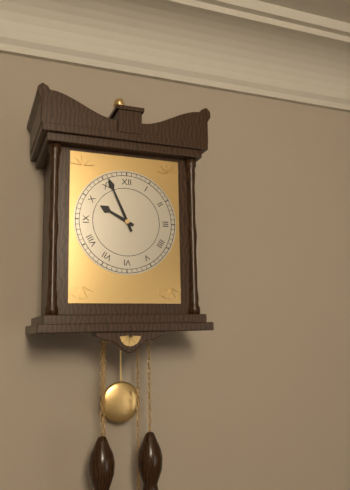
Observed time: 9:56
